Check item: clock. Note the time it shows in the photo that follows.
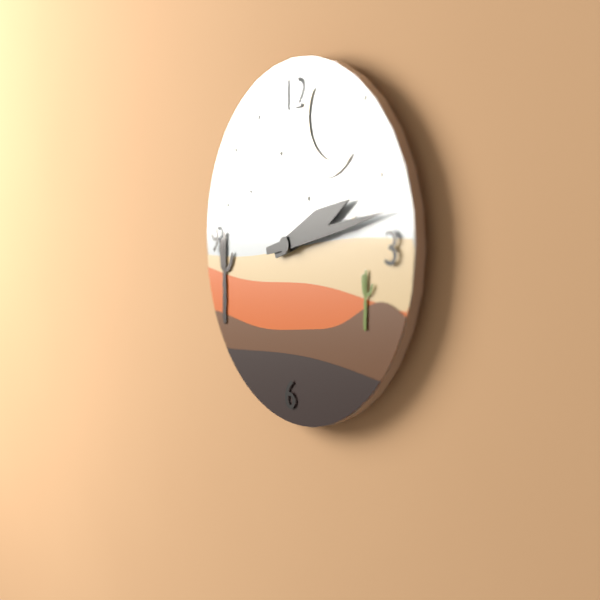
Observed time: 2:13
